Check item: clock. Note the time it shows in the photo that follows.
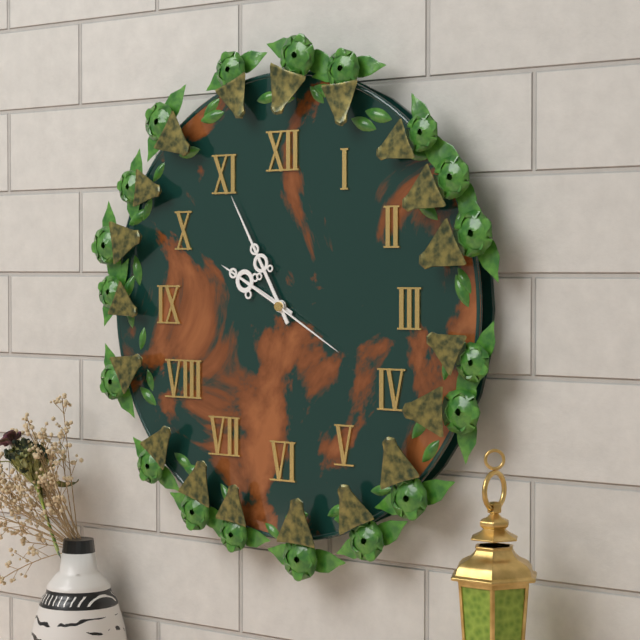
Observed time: 9:55:20
